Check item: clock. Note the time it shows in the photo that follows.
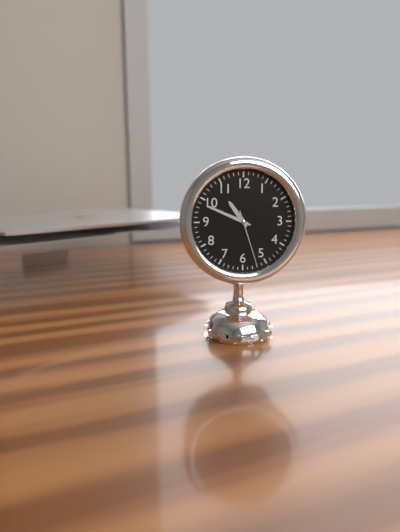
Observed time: 10:49:27
